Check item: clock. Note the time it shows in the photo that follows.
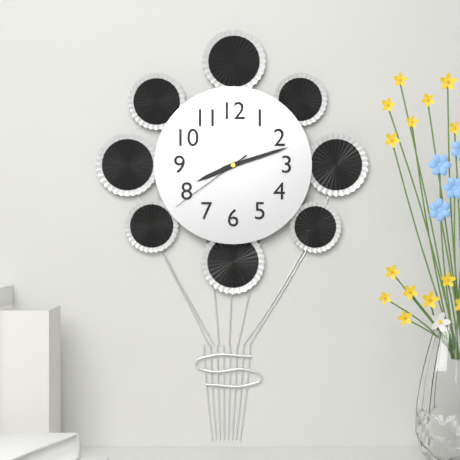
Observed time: 8:12:39
